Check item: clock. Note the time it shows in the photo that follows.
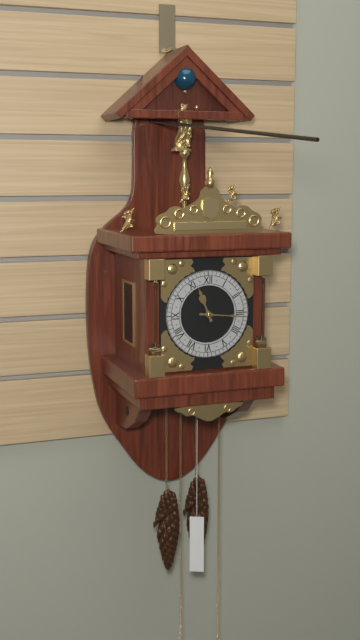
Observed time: 11:16
